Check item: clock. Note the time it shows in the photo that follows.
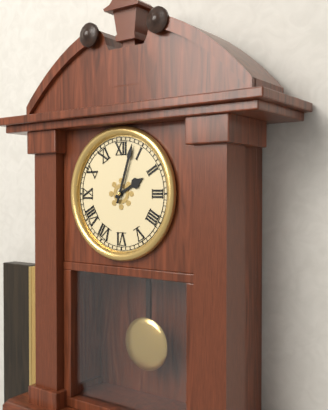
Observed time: 2:03
